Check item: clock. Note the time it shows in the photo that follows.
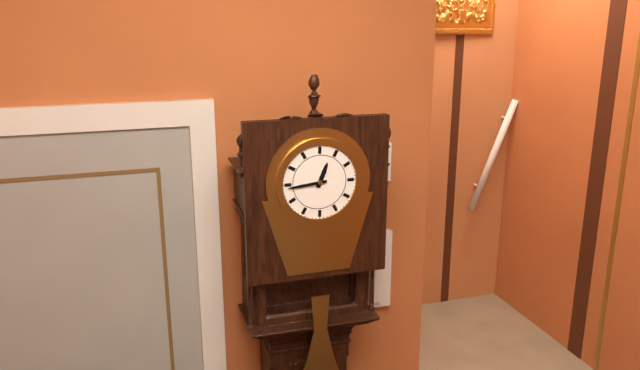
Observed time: 12:44
